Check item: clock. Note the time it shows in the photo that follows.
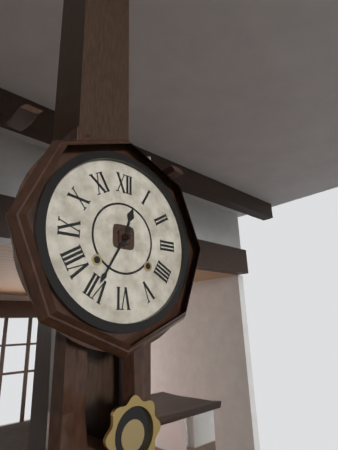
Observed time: 12:35
